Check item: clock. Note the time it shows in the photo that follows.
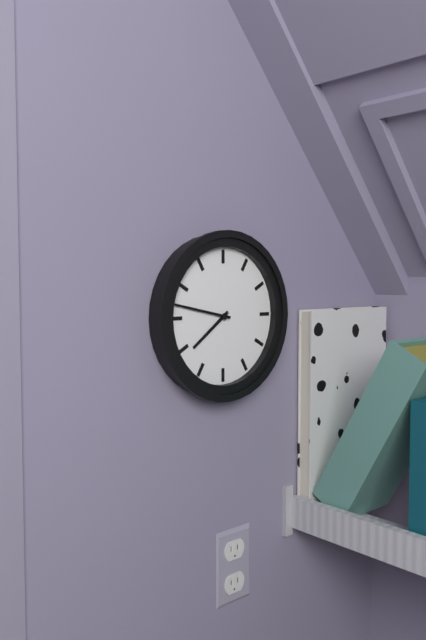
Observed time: 7:47
